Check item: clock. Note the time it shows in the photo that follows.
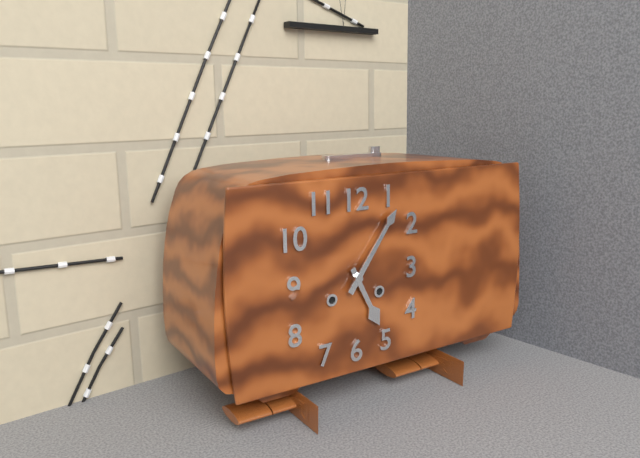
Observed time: 5:06
